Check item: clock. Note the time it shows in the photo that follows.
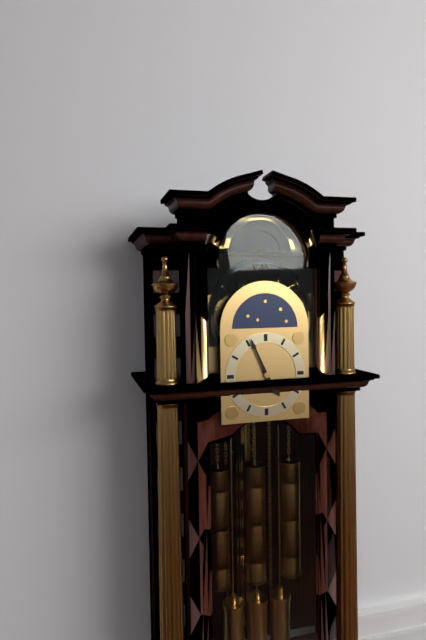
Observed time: 4:56
